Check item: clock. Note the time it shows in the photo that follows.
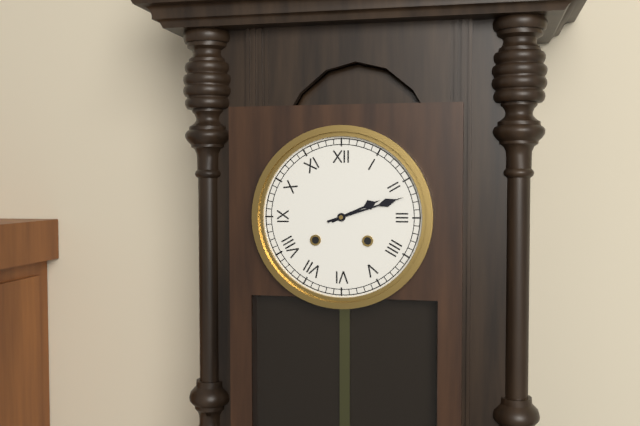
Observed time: 2:12
